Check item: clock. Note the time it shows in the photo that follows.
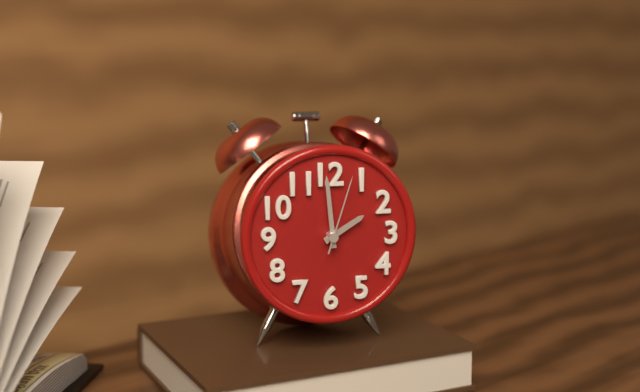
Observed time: 1:59:03
